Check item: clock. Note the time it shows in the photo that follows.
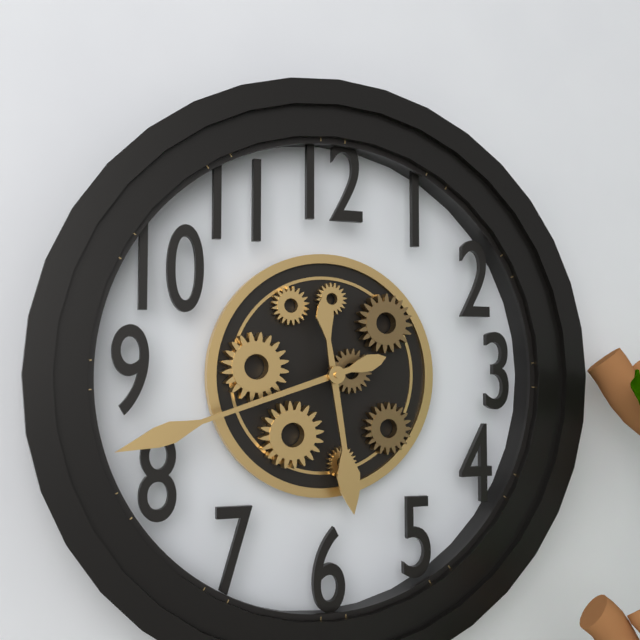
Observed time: 5:42
